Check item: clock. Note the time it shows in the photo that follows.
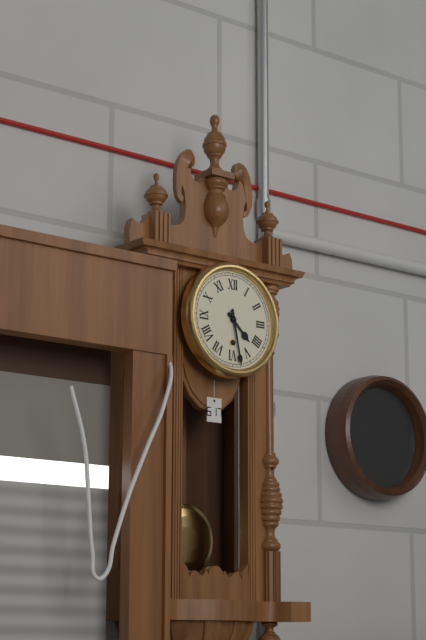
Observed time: 4:28
